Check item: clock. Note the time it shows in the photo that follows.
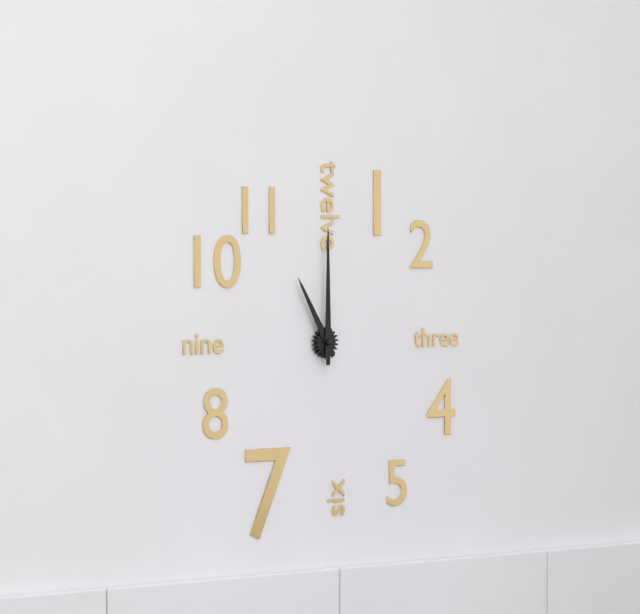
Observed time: 11:00
